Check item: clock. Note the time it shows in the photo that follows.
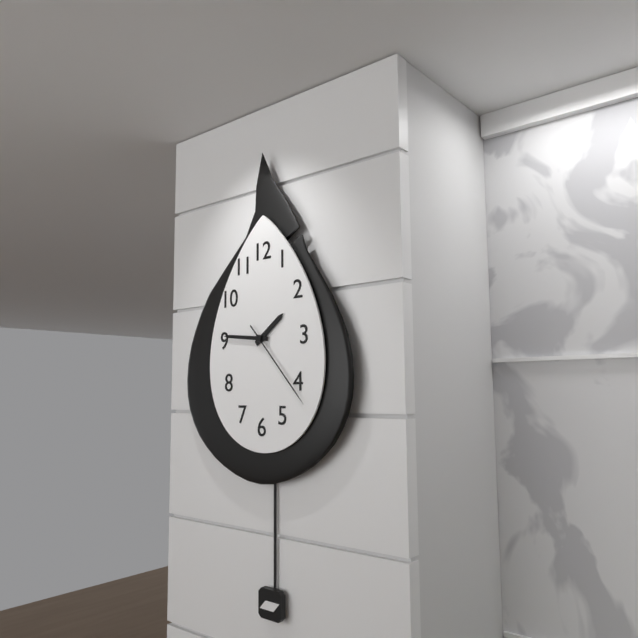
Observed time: 1:46:23
